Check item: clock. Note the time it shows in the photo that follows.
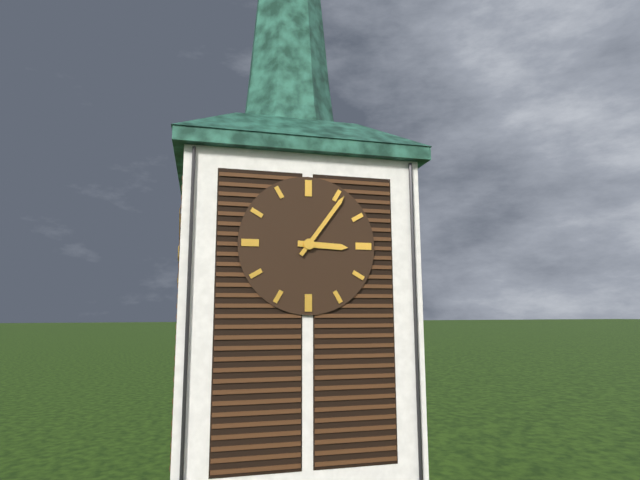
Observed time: 3:06
